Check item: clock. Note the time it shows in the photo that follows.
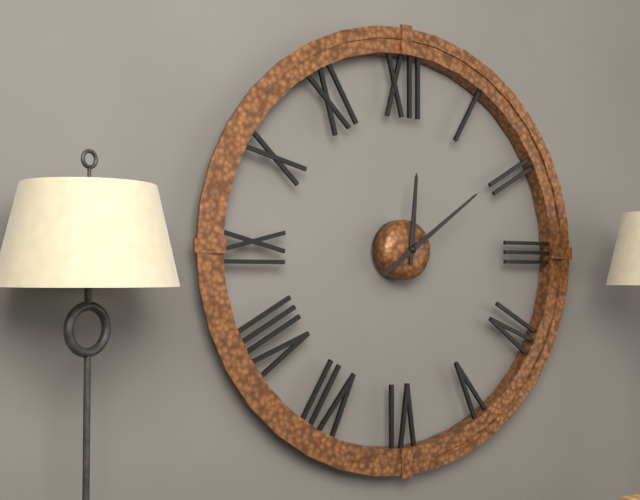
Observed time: 12:09
